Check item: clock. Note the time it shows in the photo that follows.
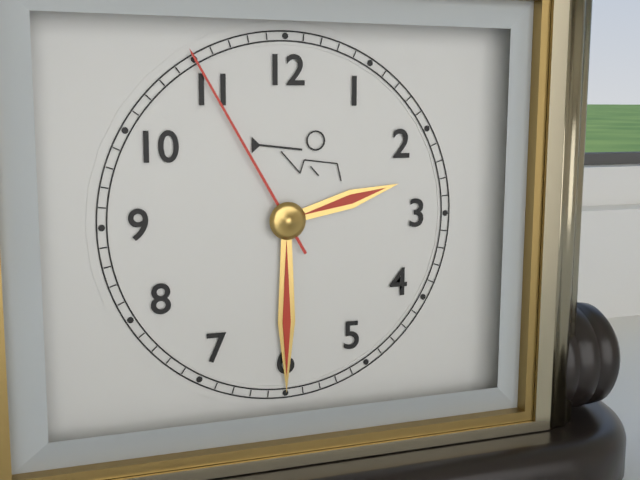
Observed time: 2:30:55
